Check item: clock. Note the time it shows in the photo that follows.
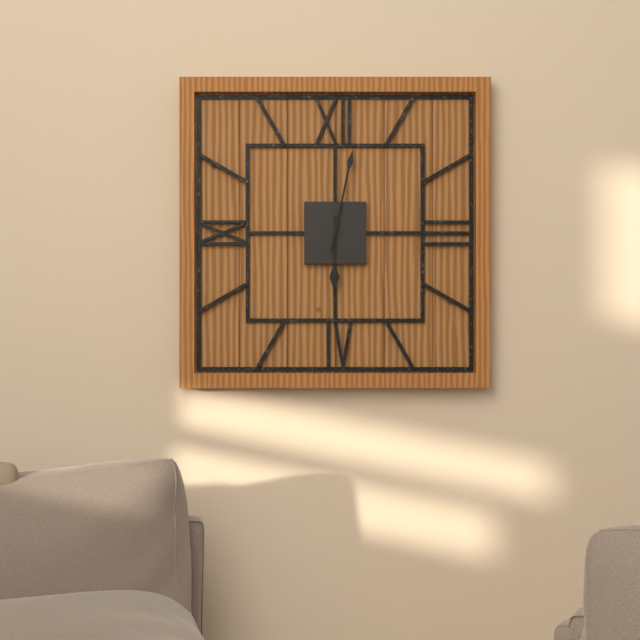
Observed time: 6:02
